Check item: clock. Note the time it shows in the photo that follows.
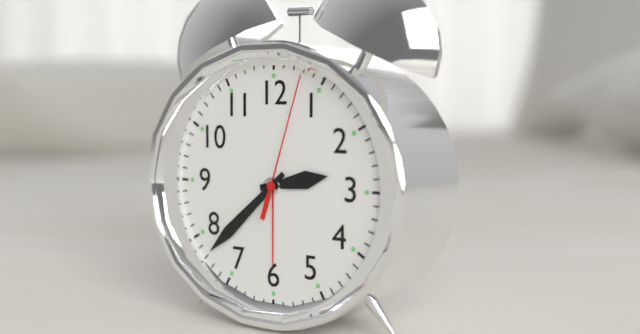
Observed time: 2:38:03
